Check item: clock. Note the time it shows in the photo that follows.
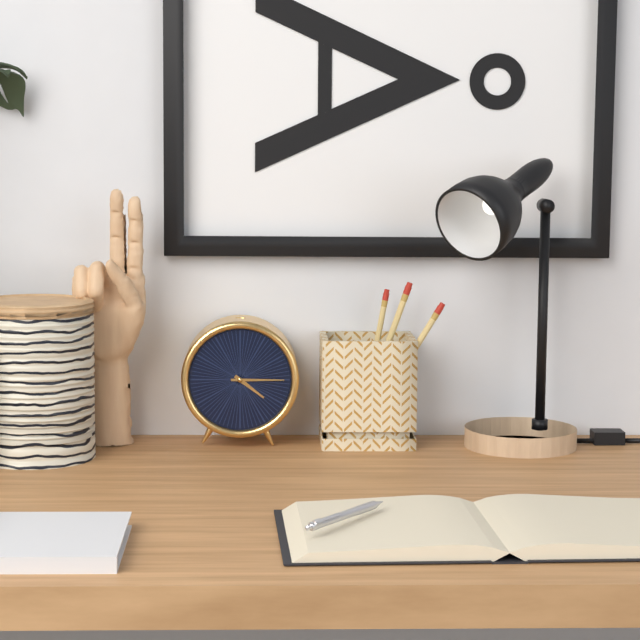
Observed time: 4:15
